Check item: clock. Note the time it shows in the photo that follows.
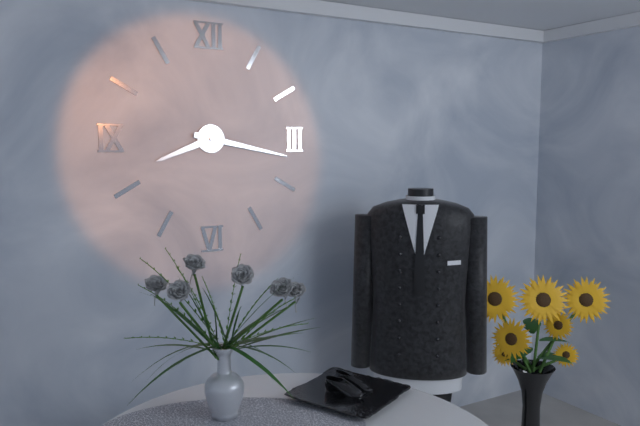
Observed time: 8:17
